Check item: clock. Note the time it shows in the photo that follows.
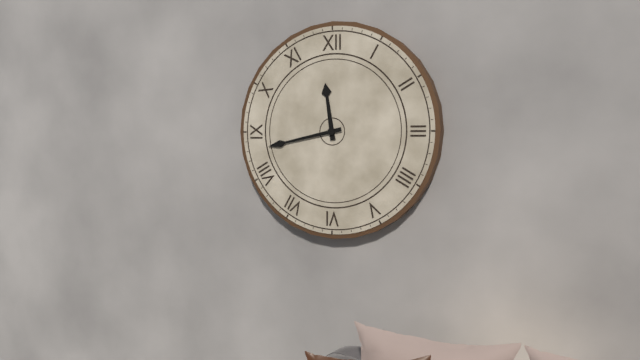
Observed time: 11:43
